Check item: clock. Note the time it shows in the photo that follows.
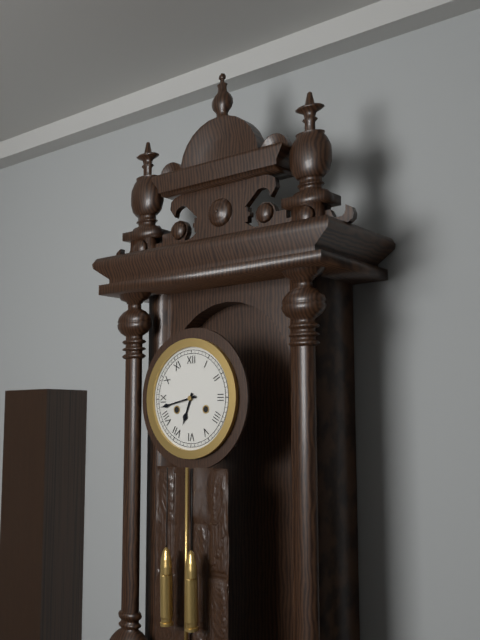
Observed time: 6:43
